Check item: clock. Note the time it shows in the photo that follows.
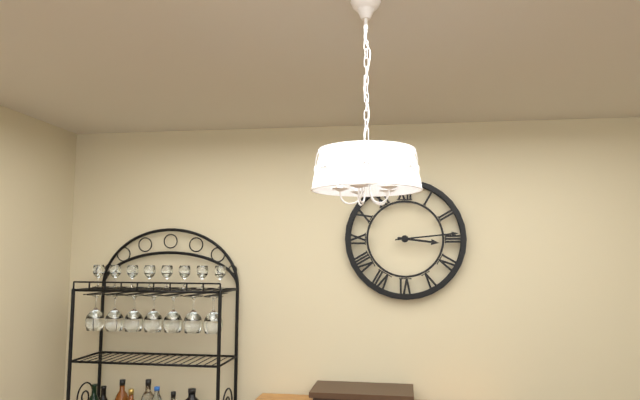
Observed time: 3:14
